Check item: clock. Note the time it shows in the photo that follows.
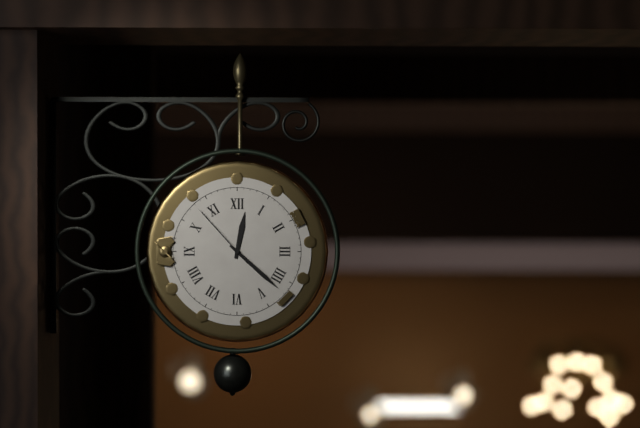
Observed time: 12:22:53
